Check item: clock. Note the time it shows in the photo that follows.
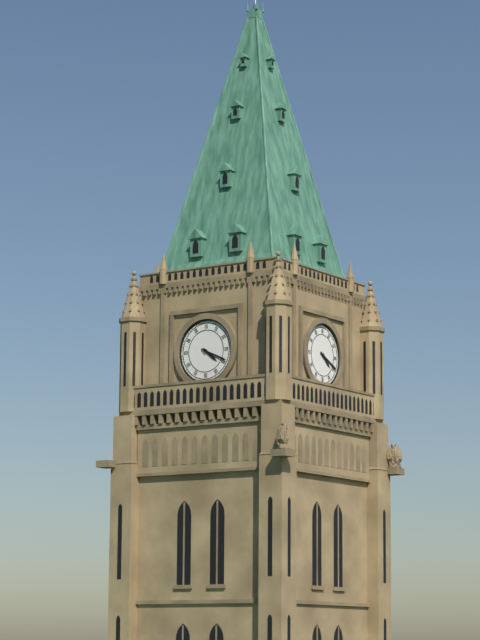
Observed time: 4:19
